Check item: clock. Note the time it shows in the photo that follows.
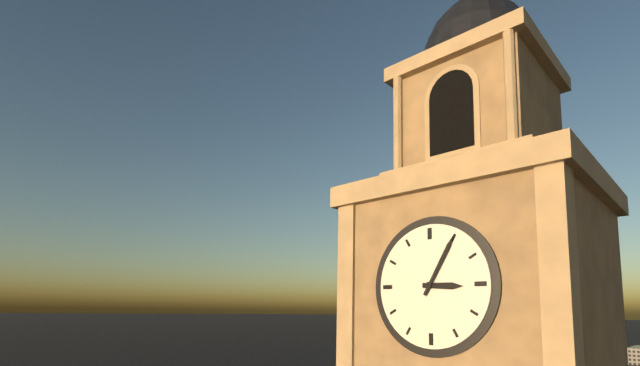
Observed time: 3:05
